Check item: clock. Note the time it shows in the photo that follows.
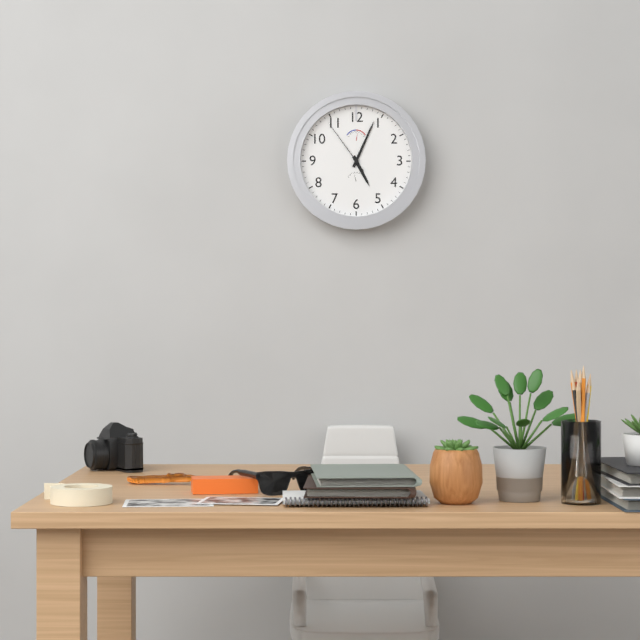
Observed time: 5:04:54
